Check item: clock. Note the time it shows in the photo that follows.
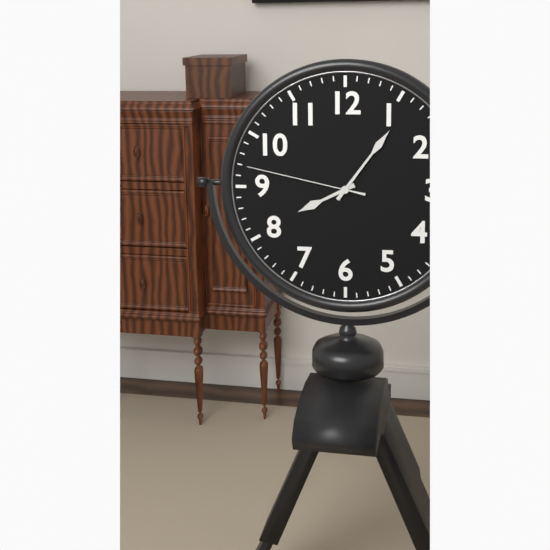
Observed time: 8:06:47
